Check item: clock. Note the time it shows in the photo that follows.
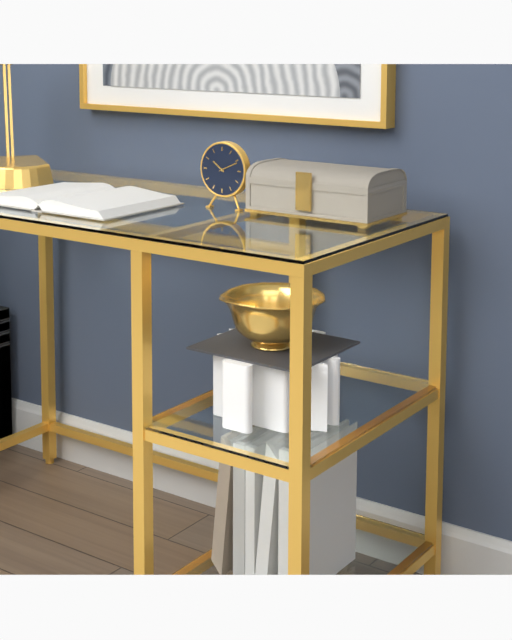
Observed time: 10:11
